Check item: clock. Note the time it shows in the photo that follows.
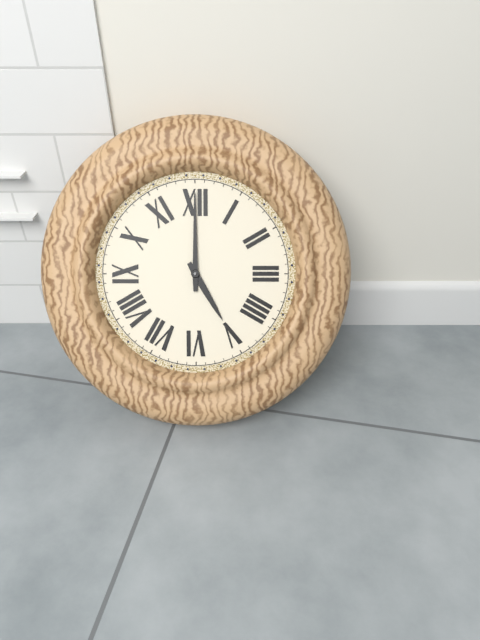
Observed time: 5:00
